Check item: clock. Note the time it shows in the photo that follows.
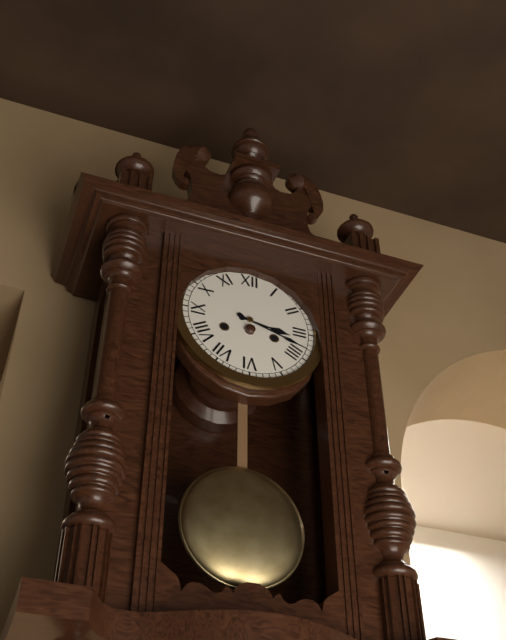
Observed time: 3:18
